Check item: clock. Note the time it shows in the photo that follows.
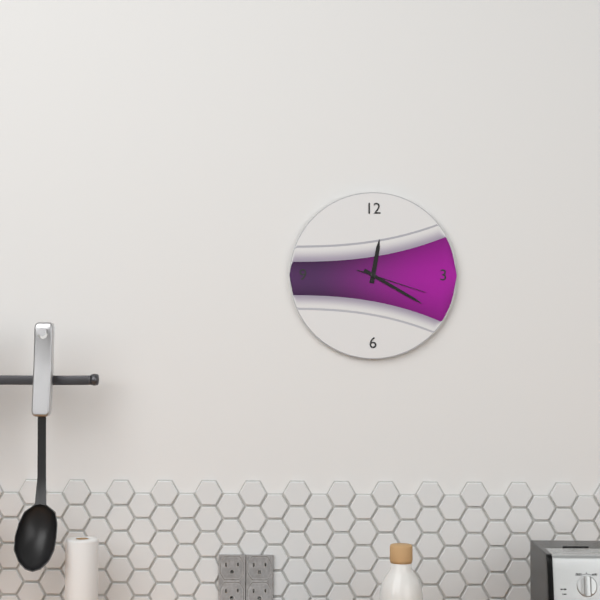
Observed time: 12:20:18
